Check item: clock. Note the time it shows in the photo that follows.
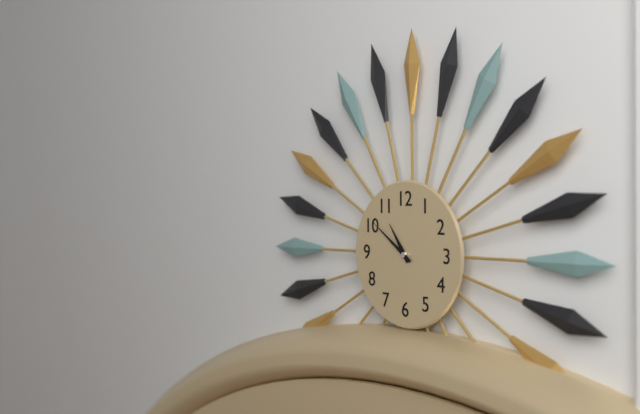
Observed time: 10:51
